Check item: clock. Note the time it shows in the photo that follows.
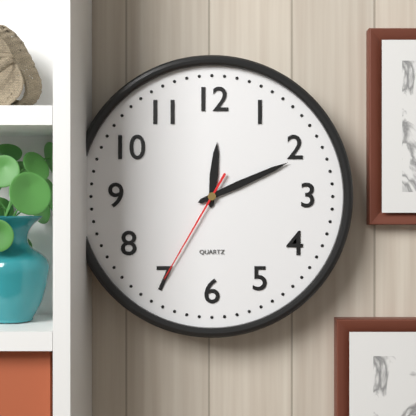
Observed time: 12:11:35
